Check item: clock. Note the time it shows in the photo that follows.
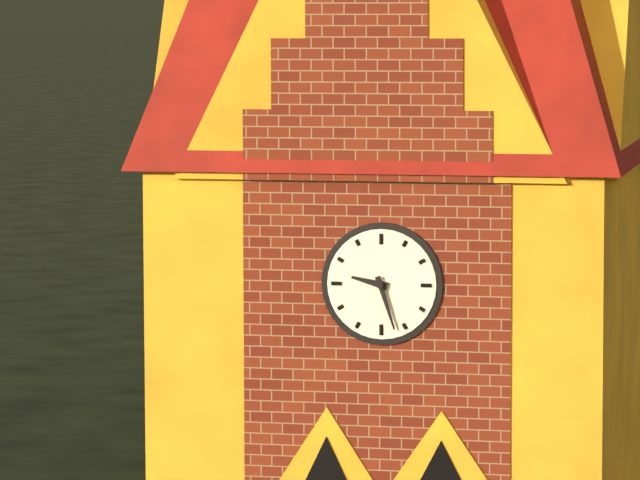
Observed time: 9:27
